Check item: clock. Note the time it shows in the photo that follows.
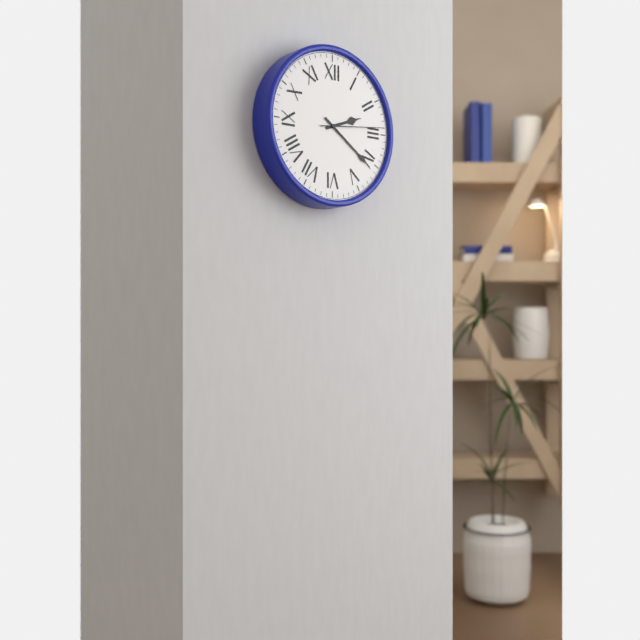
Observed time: 2:21:14
